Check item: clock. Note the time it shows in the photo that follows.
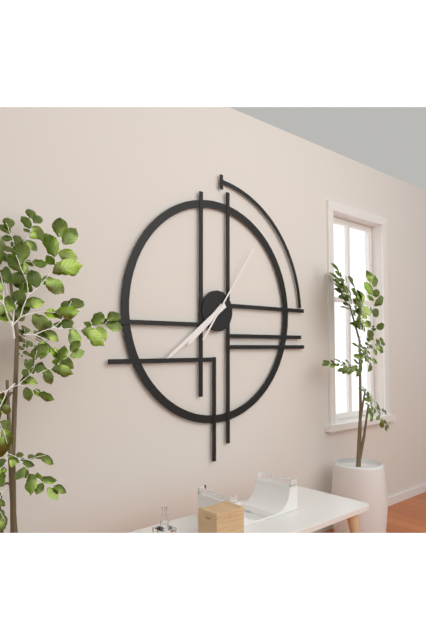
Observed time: 7:39:06
